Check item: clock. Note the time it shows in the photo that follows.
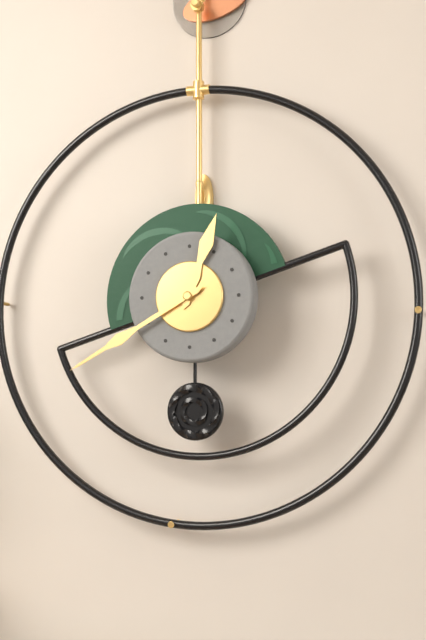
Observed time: 12:40
